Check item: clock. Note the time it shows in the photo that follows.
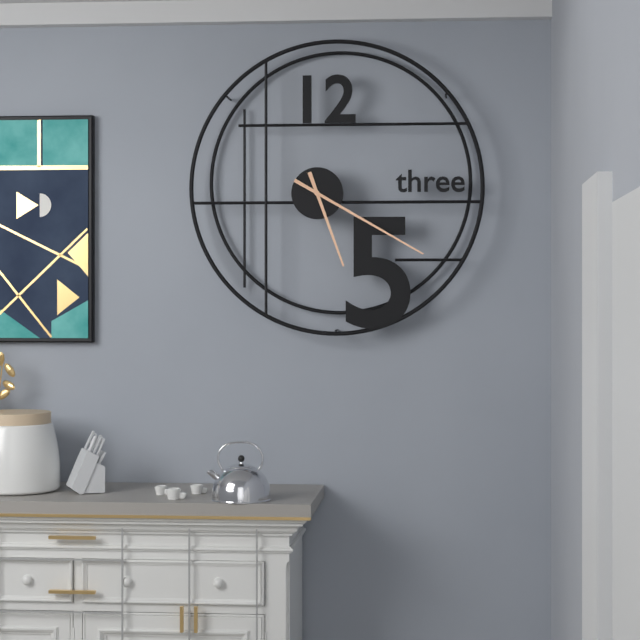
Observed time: 5:20
